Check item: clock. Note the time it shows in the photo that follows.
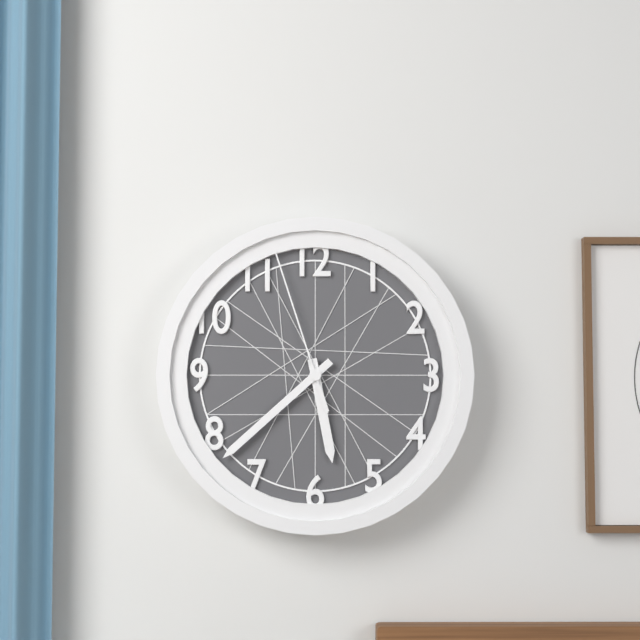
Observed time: 5:38:57
